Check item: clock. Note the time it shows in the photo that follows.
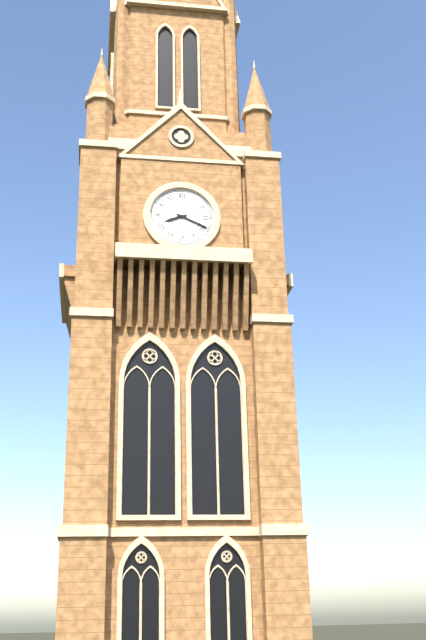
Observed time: 8:19
